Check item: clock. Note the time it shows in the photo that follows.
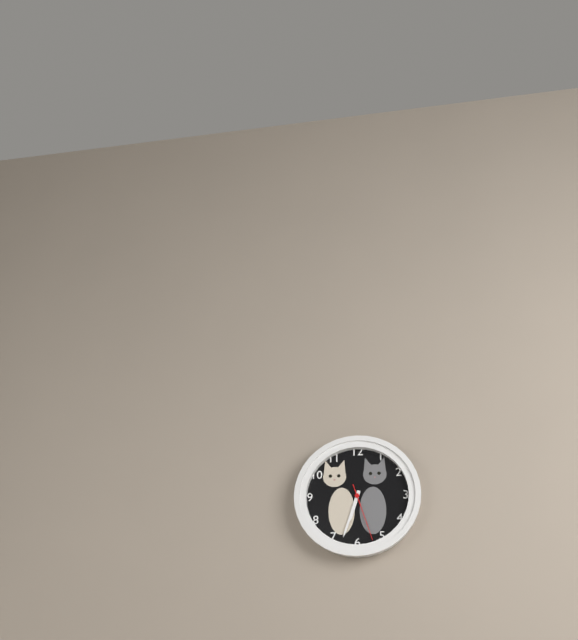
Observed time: 6:33:27
